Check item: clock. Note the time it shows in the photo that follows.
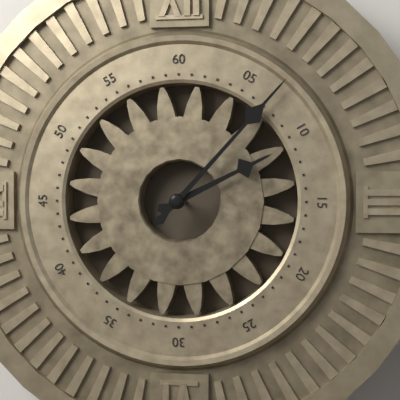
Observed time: 2:07
